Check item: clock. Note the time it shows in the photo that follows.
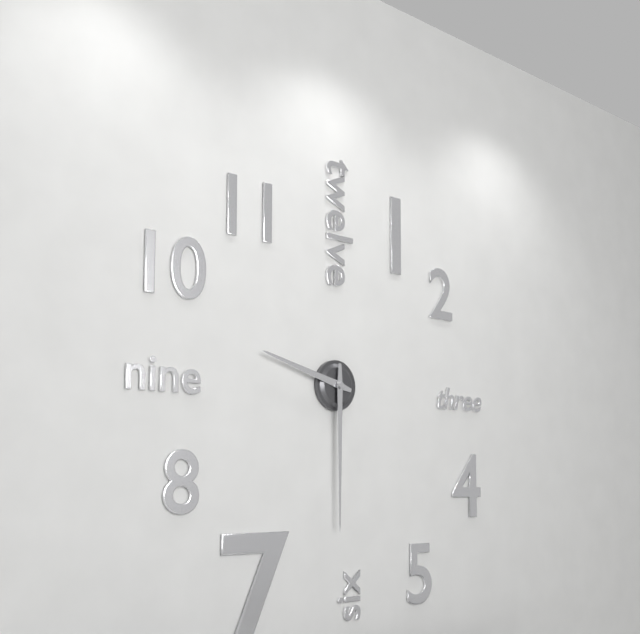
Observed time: 9:30
